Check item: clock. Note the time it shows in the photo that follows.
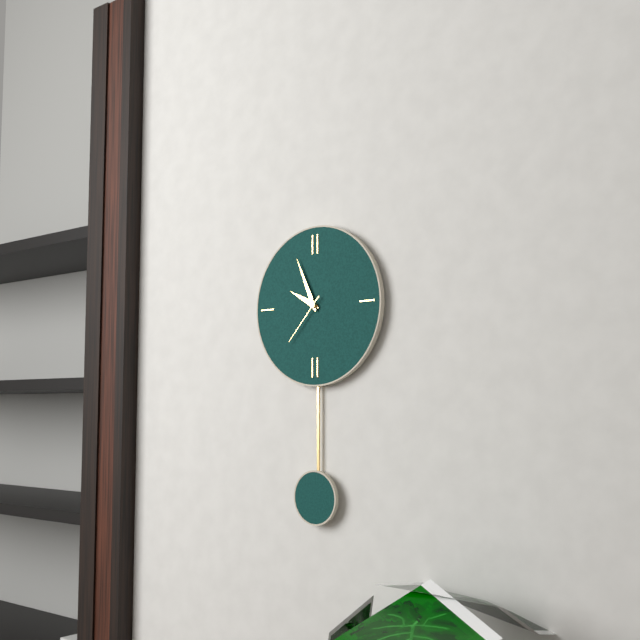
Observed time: 9:56:37
